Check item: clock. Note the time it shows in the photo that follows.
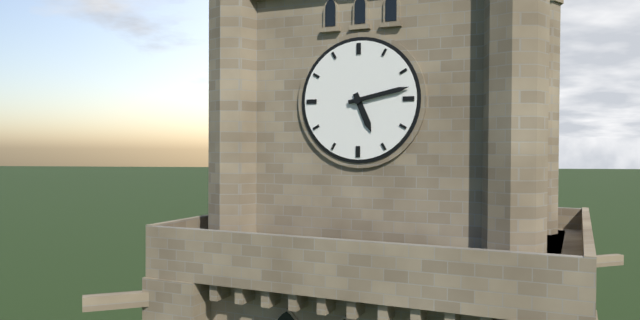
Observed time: 5:13
